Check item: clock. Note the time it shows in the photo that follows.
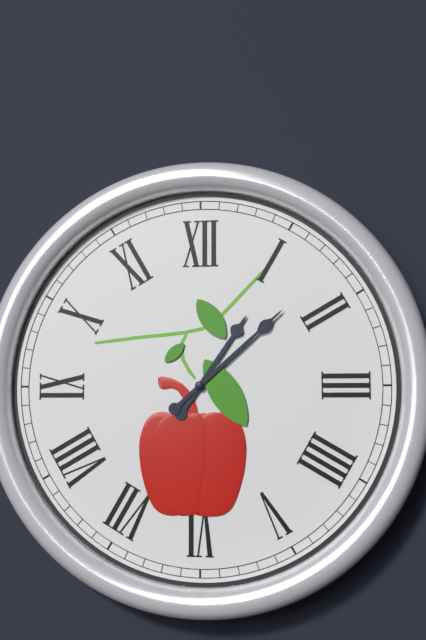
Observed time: 1:08
